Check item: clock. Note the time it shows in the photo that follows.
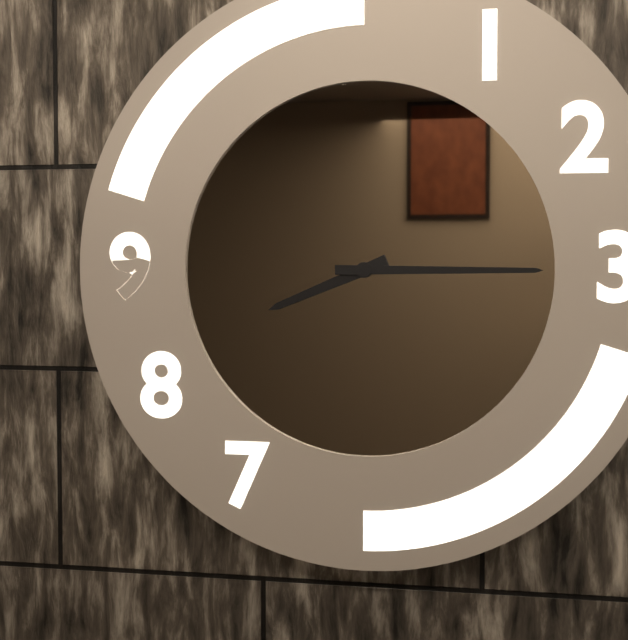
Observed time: 8:15
